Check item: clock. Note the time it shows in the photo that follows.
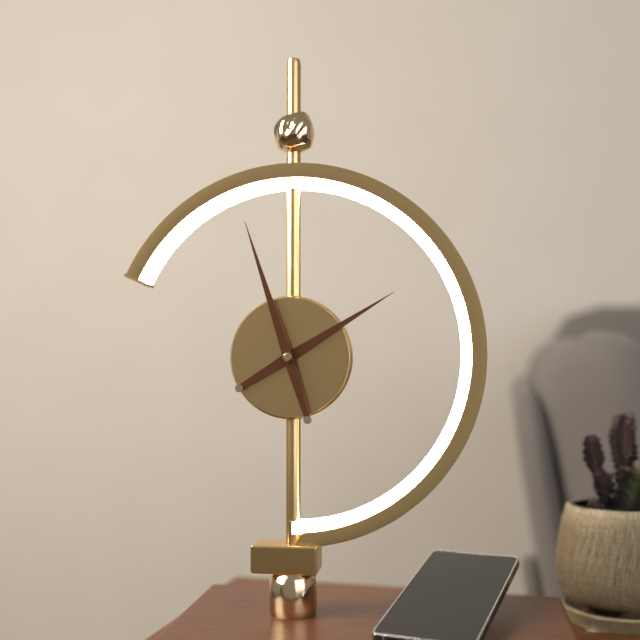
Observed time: 1:57
